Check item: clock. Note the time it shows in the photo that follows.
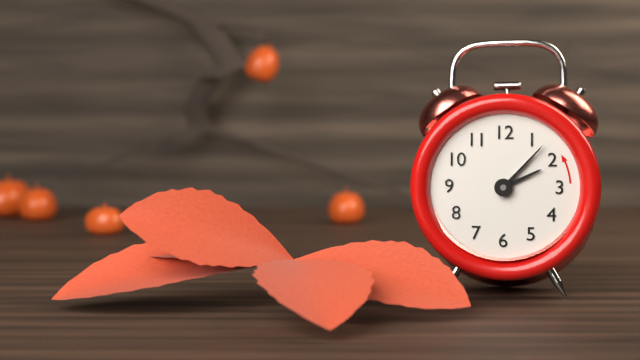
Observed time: 2:07:07
